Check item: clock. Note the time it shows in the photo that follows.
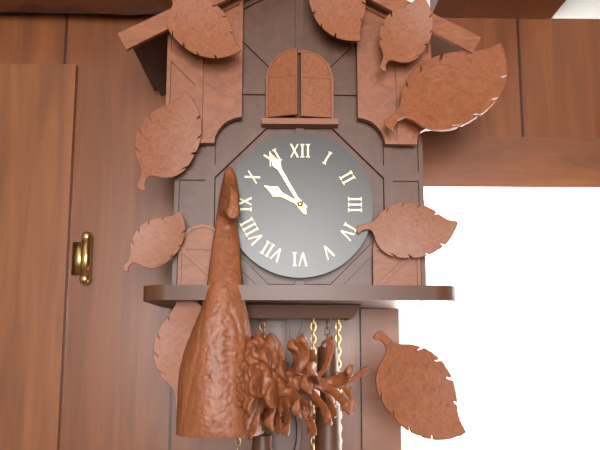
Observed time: 9:55
